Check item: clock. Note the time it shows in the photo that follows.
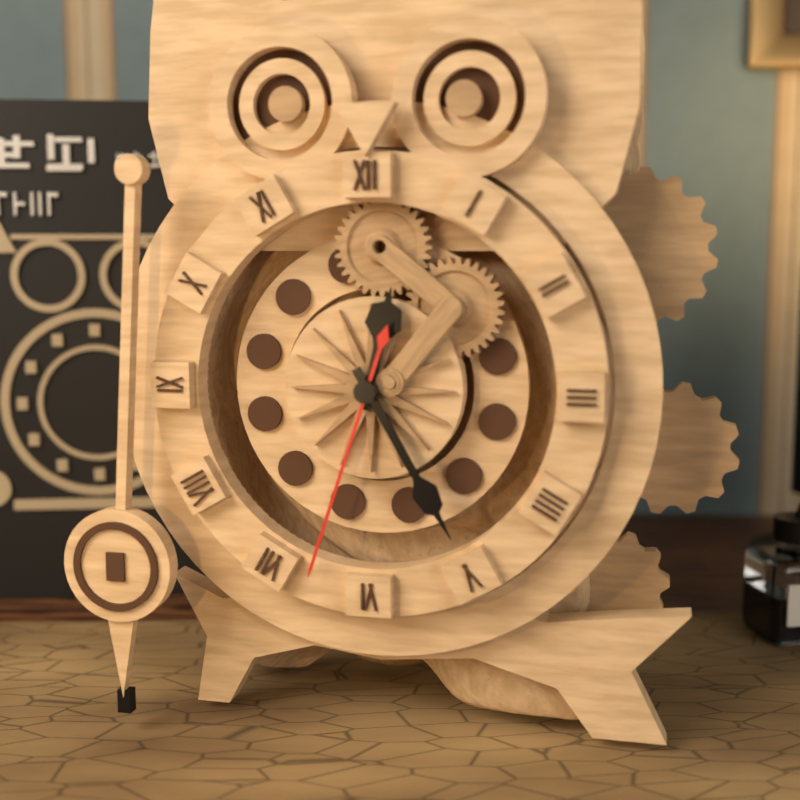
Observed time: 12:25:33
